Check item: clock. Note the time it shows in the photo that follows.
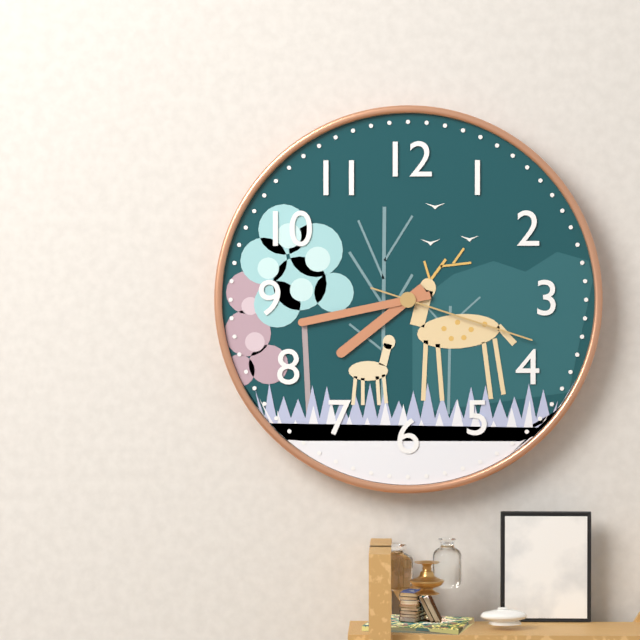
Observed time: 7:43:18
